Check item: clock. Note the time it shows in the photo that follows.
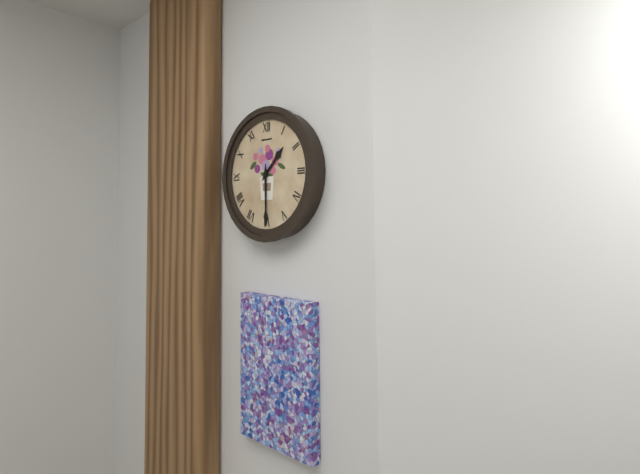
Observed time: 1:30
